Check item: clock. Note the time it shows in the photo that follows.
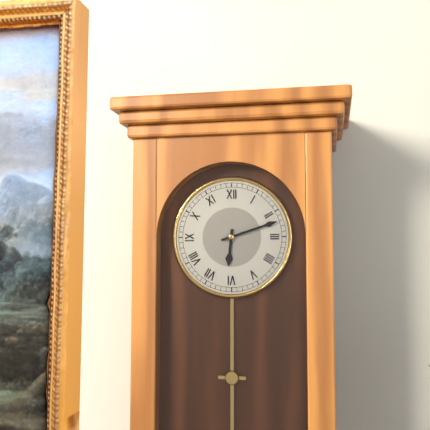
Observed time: 6:12
